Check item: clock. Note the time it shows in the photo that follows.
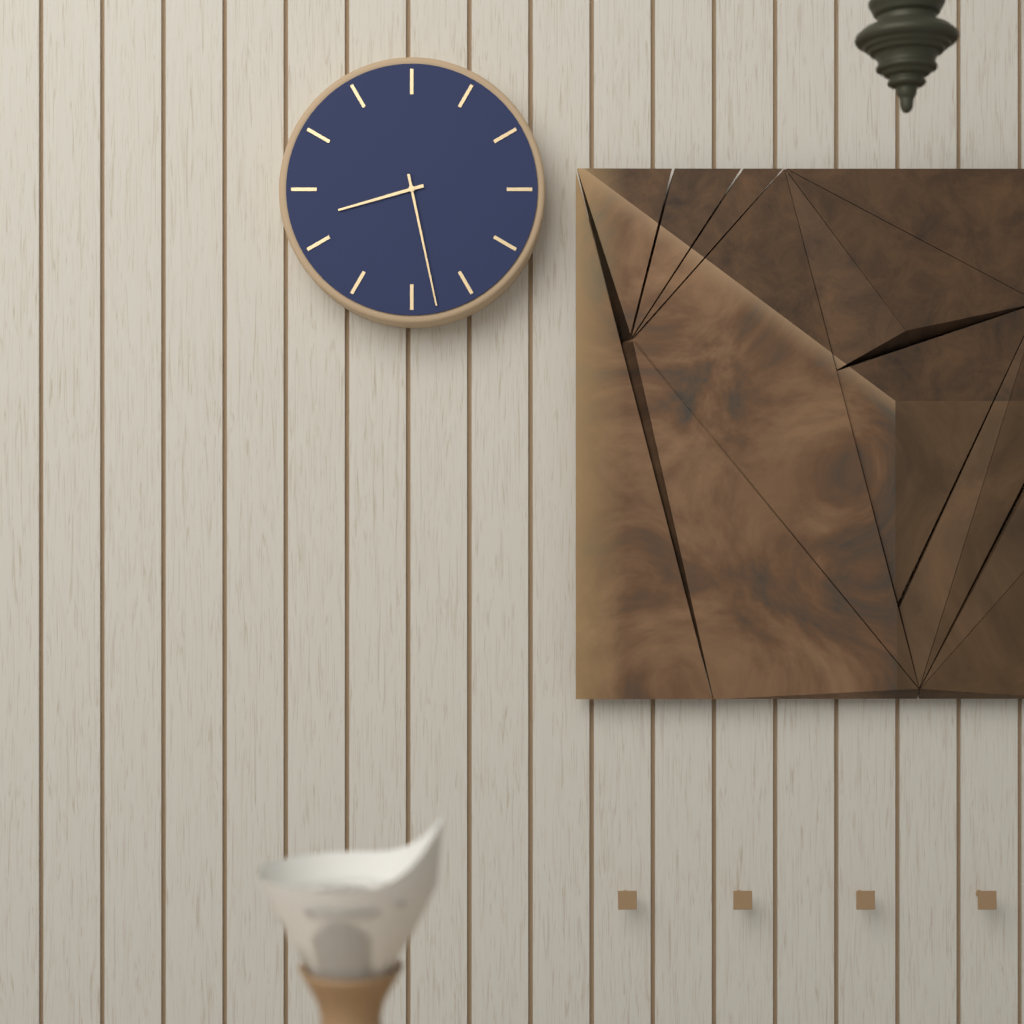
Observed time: 8:28
